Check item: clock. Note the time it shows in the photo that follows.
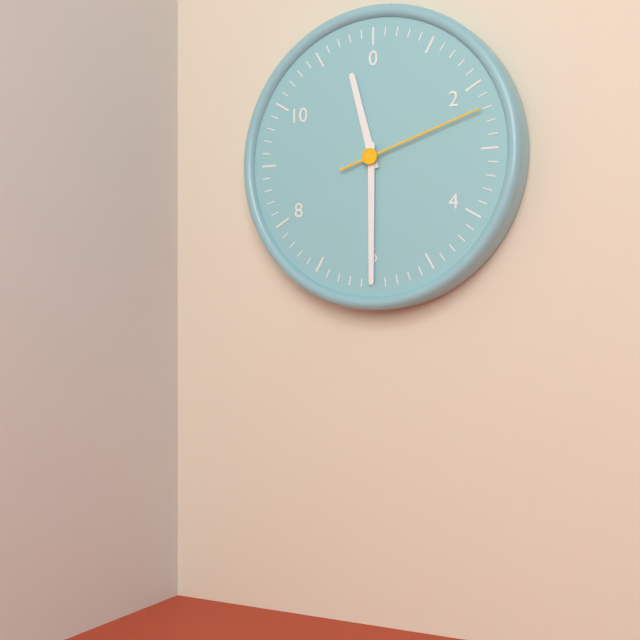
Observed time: 11:30:12
